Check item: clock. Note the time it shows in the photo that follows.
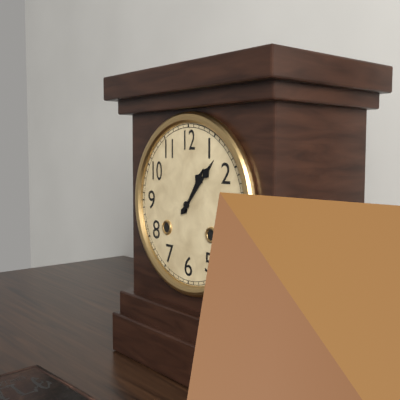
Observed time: 1:07
